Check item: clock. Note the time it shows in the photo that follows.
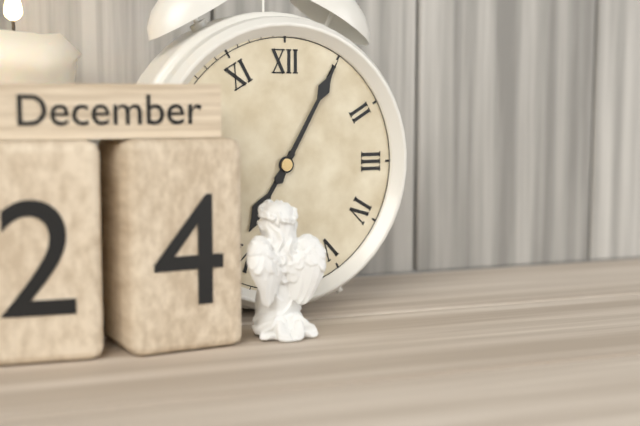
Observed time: 7:05
